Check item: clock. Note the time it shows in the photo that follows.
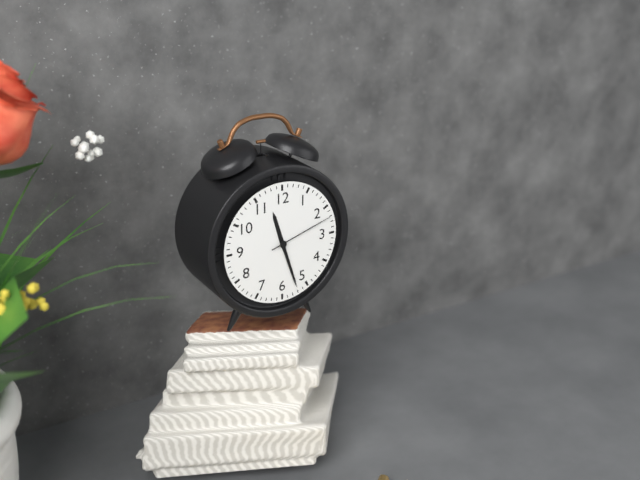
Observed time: 11:27:12
